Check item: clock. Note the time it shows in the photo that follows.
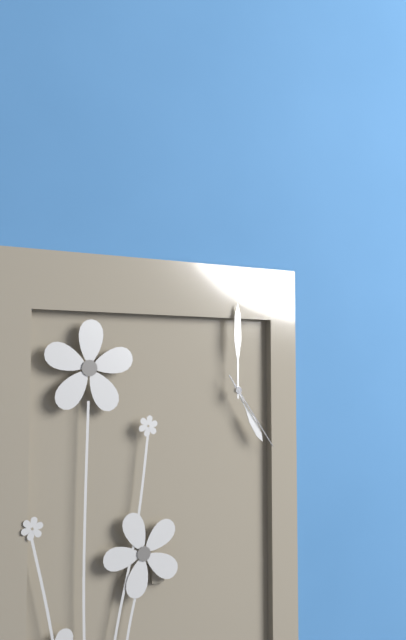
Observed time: 5:00:24
